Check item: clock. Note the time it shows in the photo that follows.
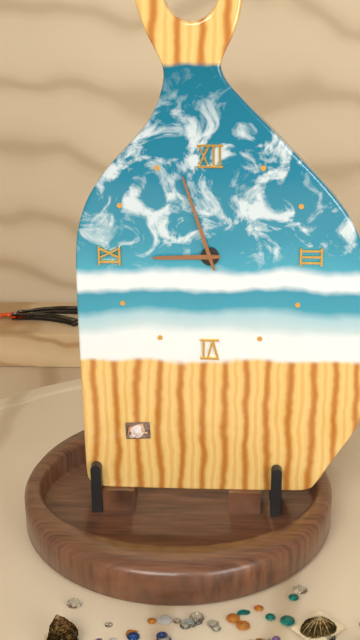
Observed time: 8:57
